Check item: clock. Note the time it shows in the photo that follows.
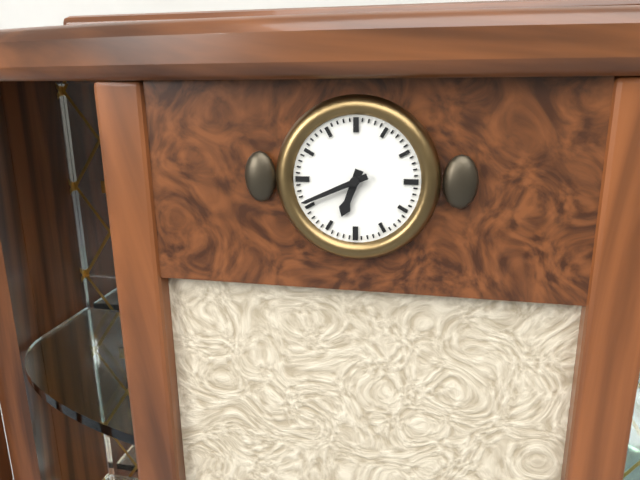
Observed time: 6:41
